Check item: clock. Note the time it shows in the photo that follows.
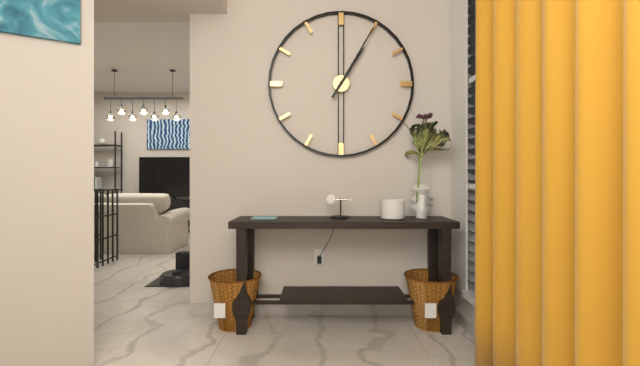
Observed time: 1:05
